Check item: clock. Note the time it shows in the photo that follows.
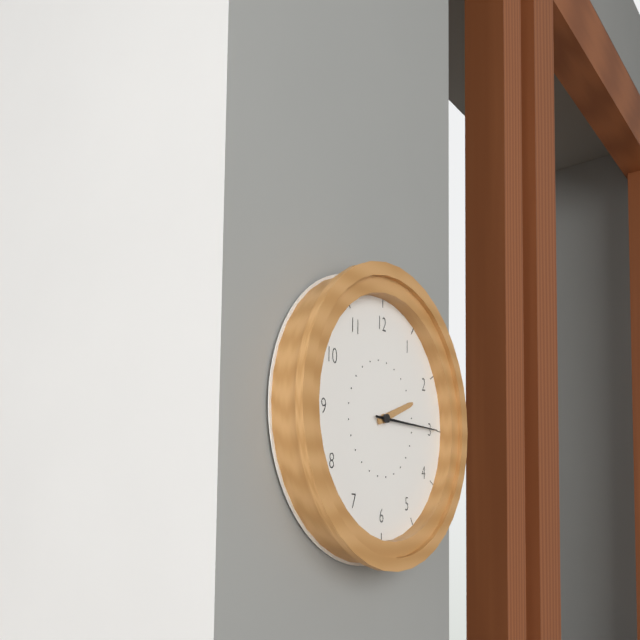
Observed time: 2:15
